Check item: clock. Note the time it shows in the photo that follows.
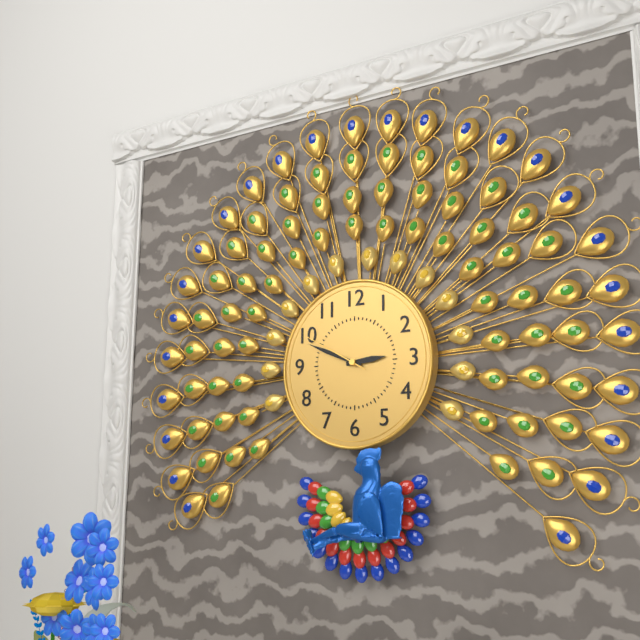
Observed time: 2:49:50
